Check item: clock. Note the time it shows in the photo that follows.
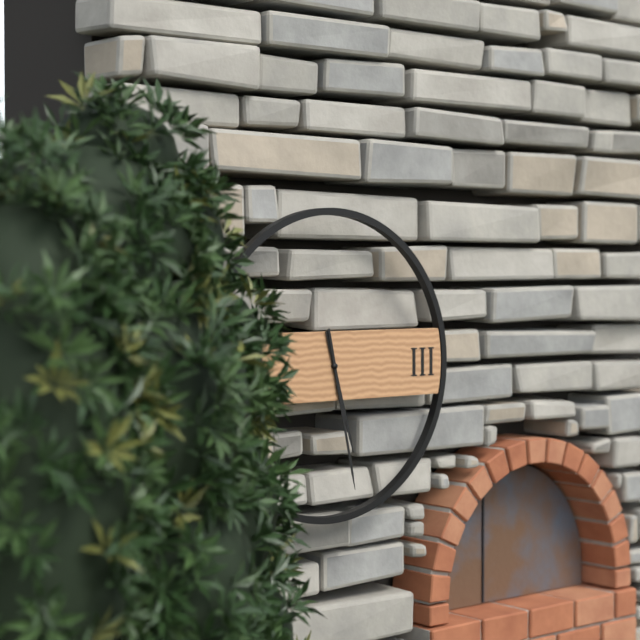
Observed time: 5:28
